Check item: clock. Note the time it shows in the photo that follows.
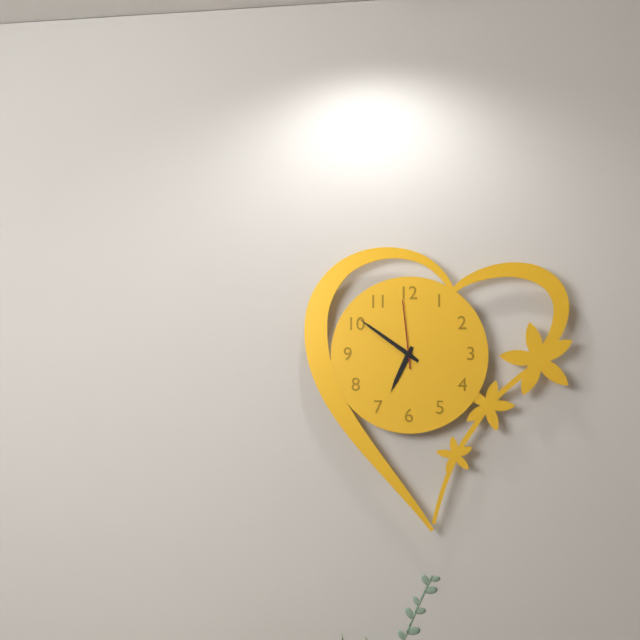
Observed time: 6:51:59
